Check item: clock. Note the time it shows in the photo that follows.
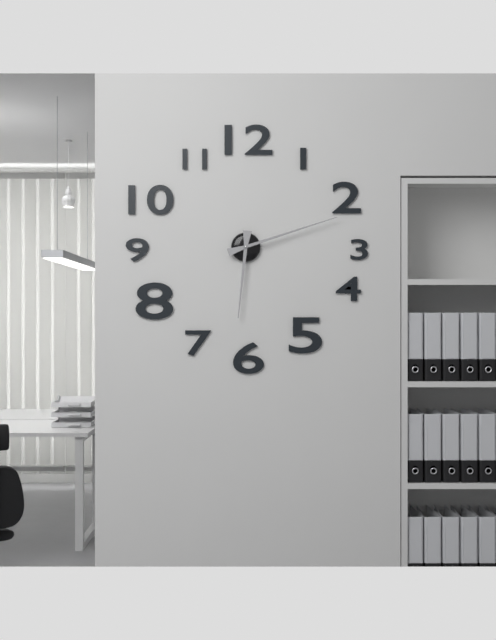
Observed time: 6:12
